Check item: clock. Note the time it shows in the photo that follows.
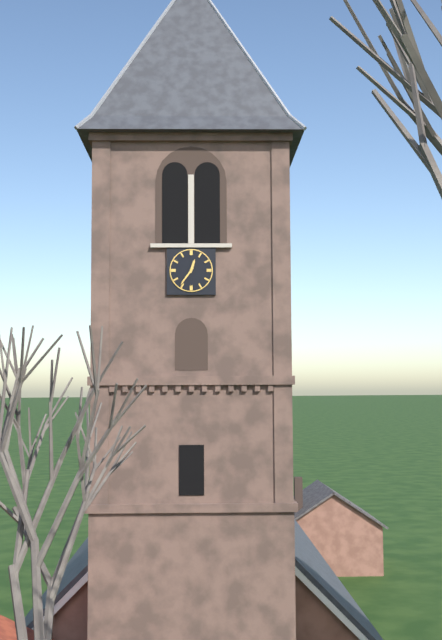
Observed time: 12:36
